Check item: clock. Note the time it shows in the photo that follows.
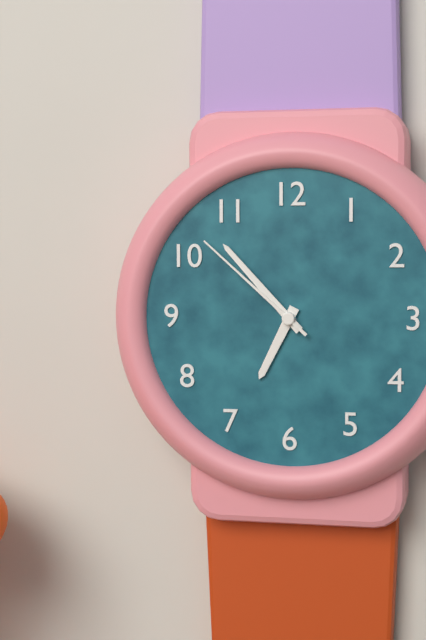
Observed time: 6:53:52
